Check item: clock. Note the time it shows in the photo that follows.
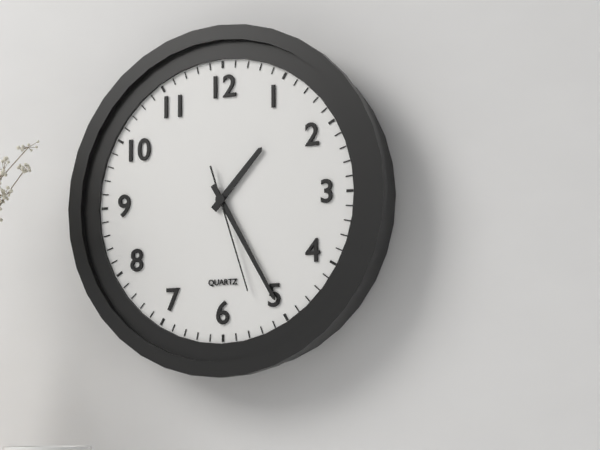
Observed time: 1:25:27
